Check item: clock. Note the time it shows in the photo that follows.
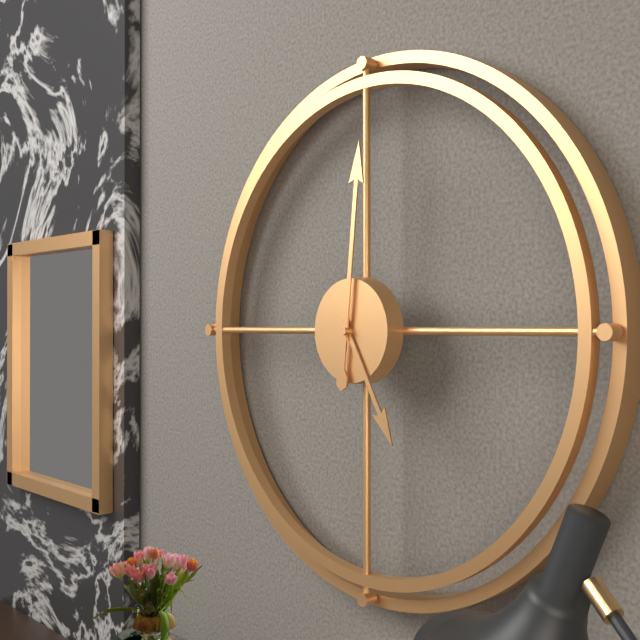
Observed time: 5:01
